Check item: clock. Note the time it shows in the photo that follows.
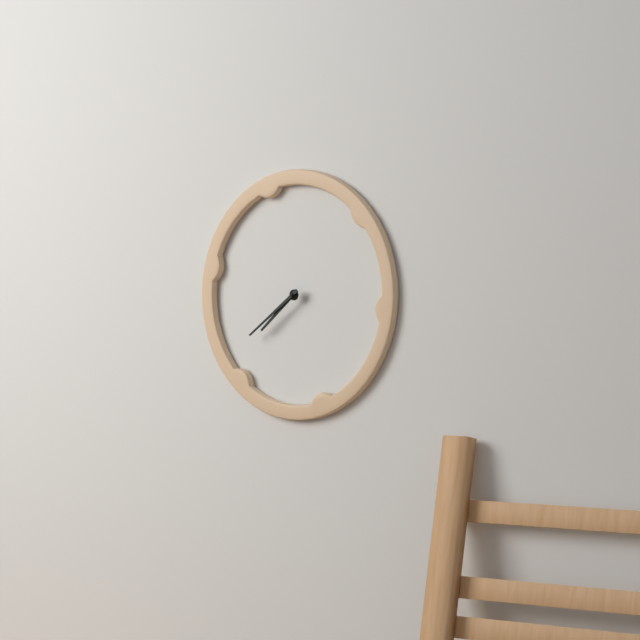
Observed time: 7:39
